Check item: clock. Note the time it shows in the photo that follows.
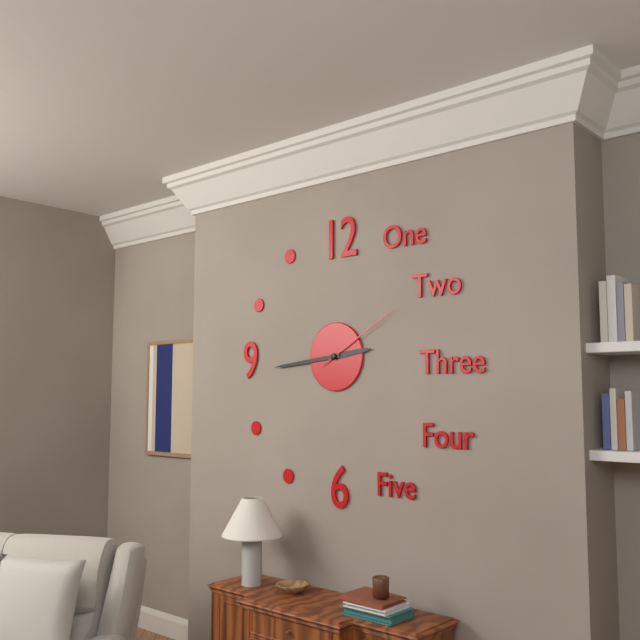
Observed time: 2:44:10
